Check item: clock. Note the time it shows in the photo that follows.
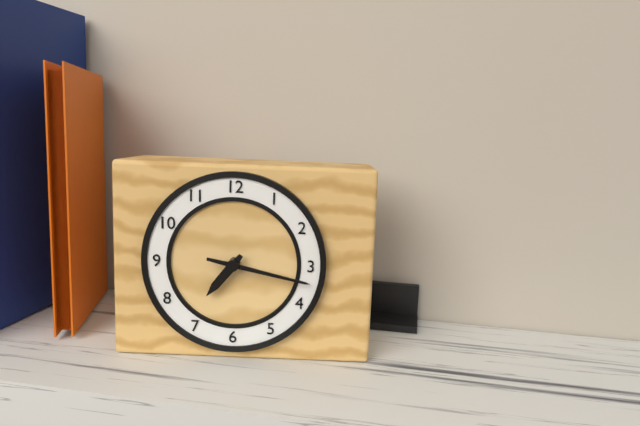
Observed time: 7:17
